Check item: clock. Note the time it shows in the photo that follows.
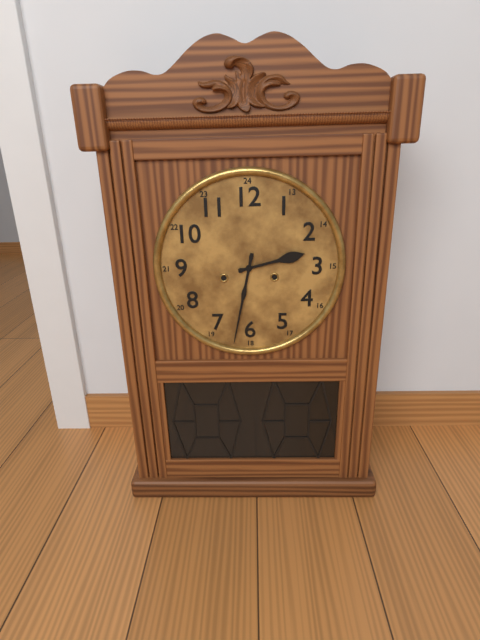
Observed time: 2:32
